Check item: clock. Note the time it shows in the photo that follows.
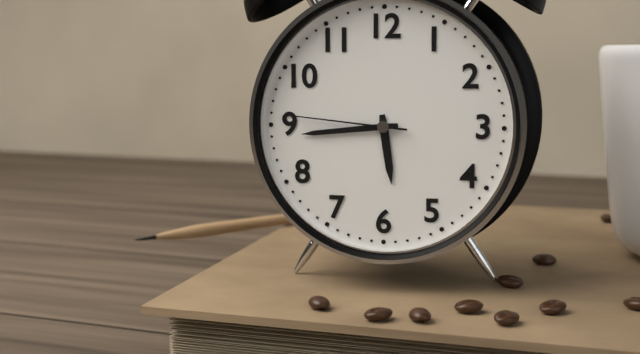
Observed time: 5:44:46
